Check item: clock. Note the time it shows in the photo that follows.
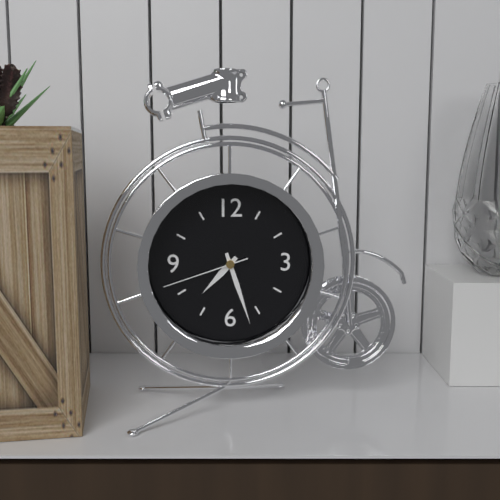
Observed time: 7:27:42
